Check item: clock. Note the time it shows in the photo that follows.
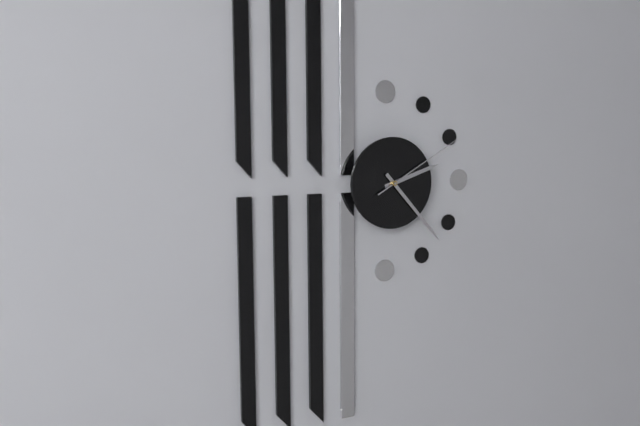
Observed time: 2:23:10
